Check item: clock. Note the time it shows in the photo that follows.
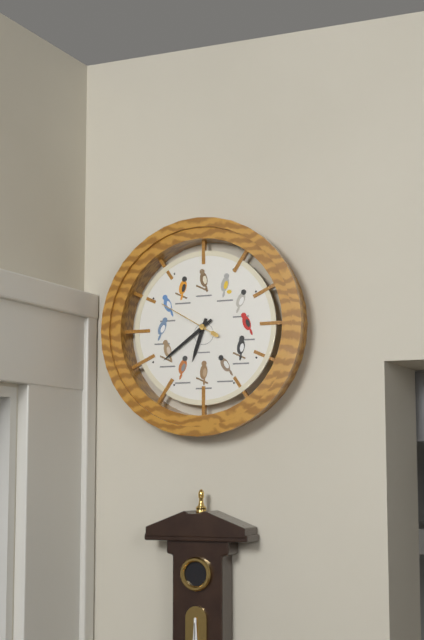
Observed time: 6:39:50
